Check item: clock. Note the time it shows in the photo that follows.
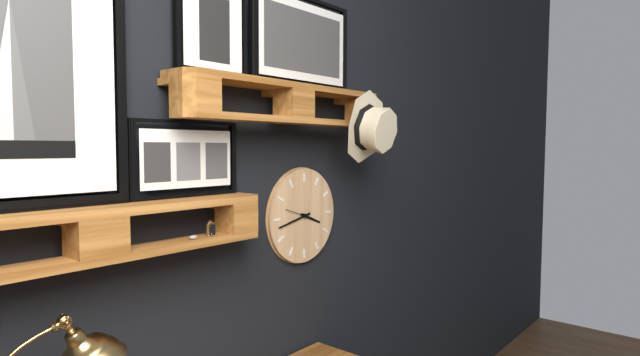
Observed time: 3:43
